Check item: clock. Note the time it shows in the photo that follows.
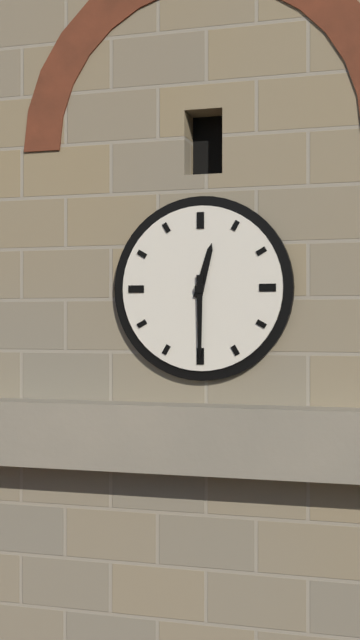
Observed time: 12:30
